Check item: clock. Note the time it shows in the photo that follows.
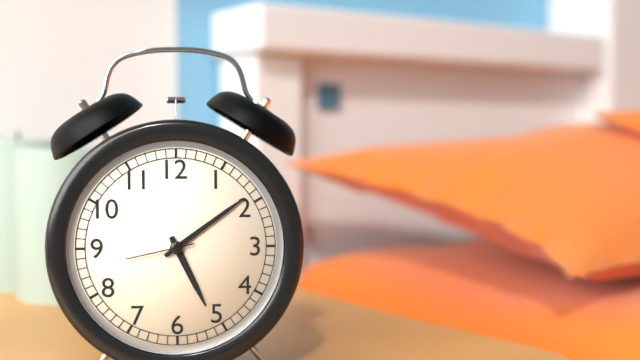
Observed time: 5:09:43
